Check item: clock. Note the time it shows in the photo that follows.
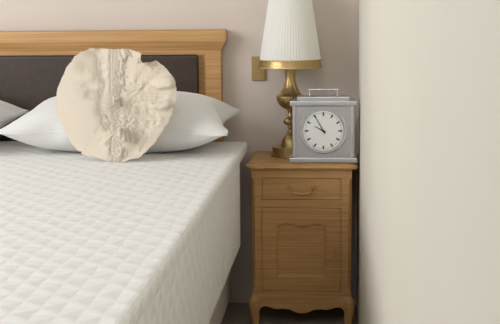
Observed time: 9:55
